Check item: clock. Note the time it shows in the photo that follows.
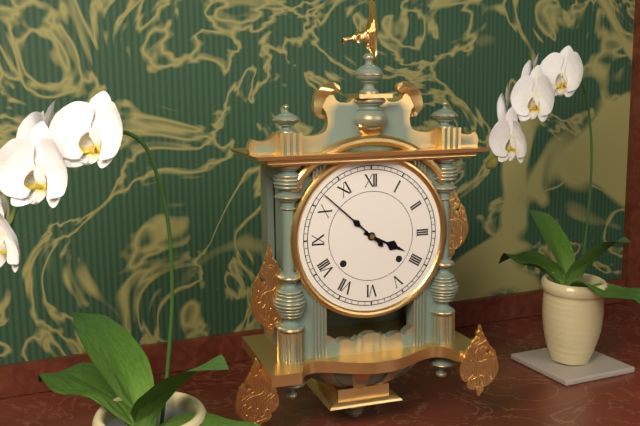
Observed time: 3:52
